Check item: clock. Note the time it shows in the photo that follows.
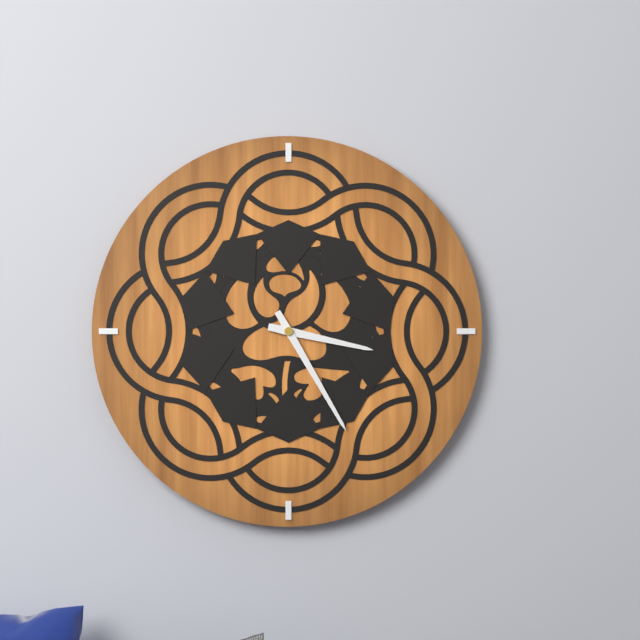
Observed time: 3:25
